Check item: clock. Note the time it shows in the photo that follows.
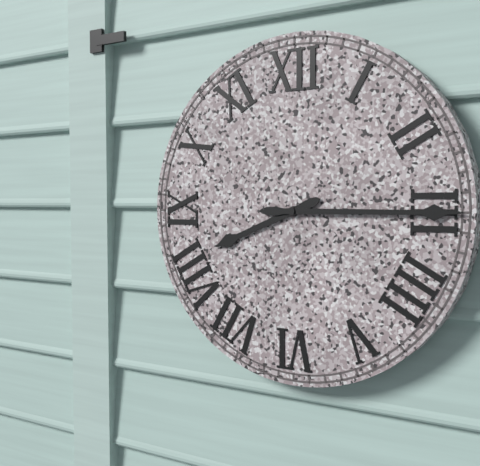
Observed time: 8:15
